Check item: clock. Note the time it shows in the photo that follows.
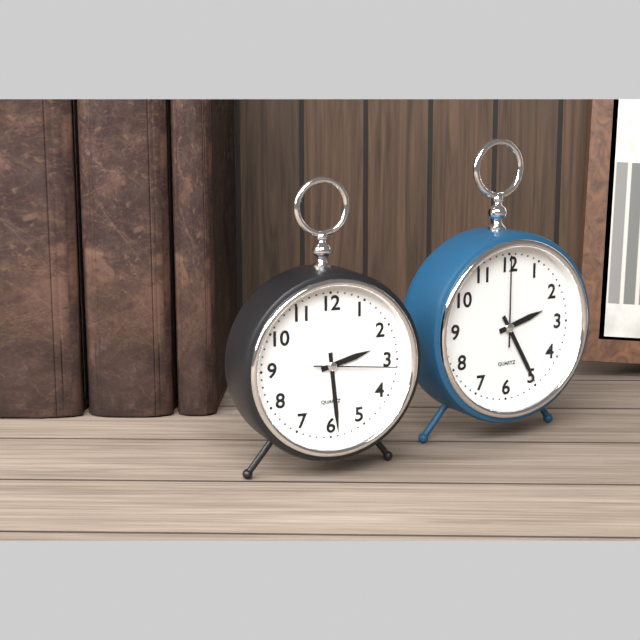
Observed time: 2:29:16
